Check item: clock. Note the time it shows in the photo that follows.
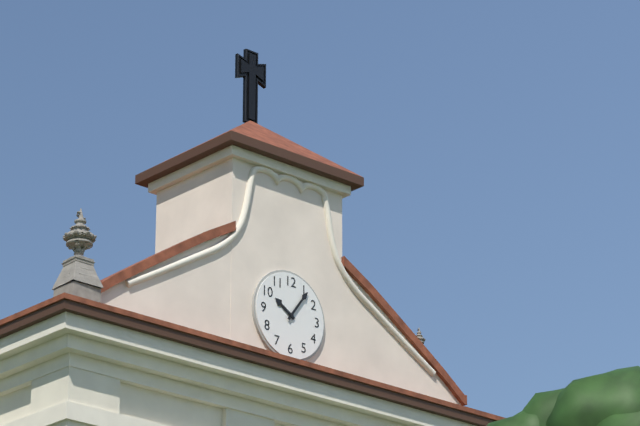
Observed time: 10:06
